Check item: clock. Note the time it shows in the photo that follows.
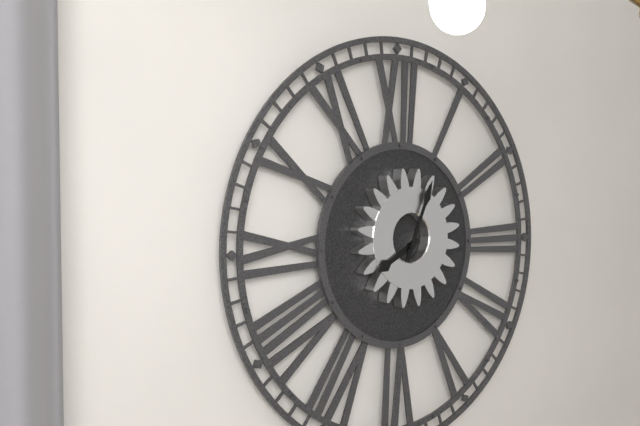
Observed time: 8:04
